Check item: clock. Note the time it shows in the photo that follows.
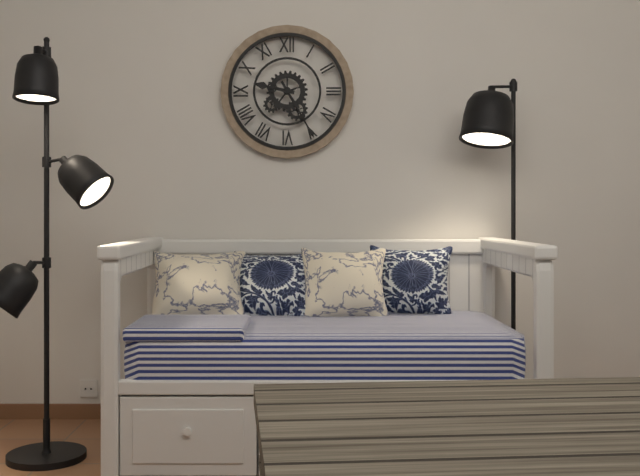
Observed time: 9:25
